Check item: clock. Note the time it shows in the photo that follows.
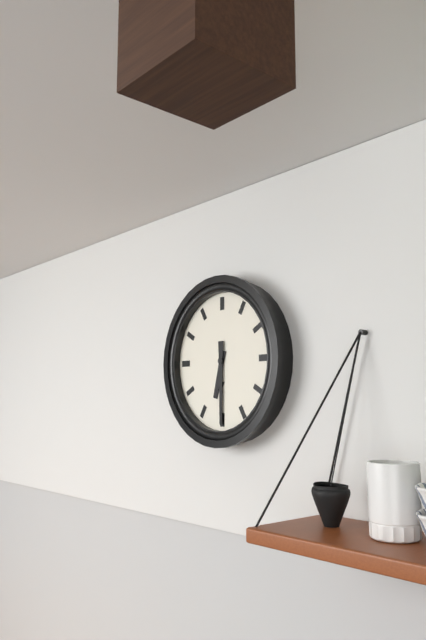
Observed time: 6:30
